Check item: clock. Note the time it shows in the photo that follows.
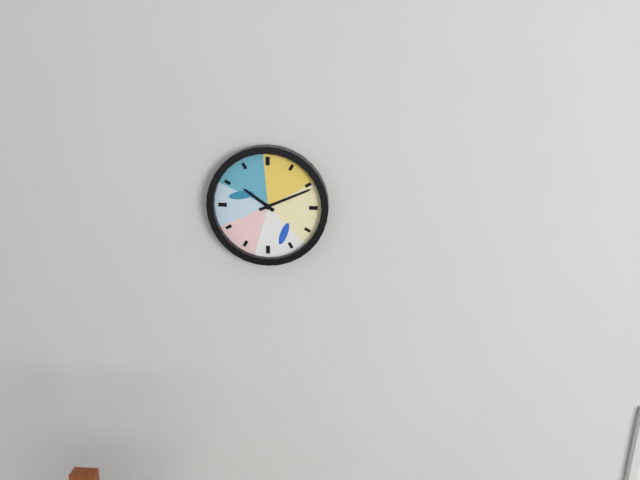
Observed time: 10:11
